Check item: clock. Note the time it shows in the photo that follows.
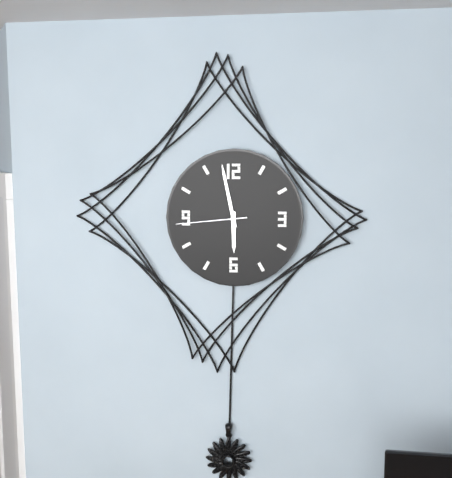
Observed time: 5:58:44
